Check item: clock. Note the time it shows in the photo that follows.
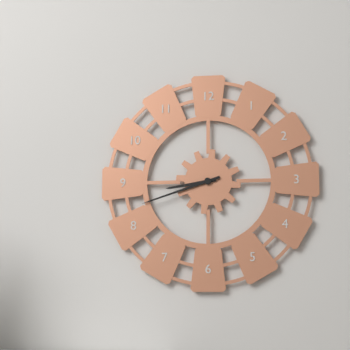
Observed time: 8:42
